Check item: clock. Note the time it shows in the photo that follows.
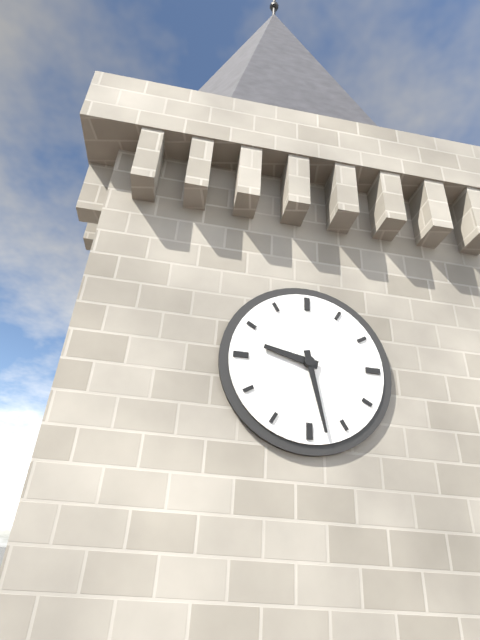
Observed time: 9:28
